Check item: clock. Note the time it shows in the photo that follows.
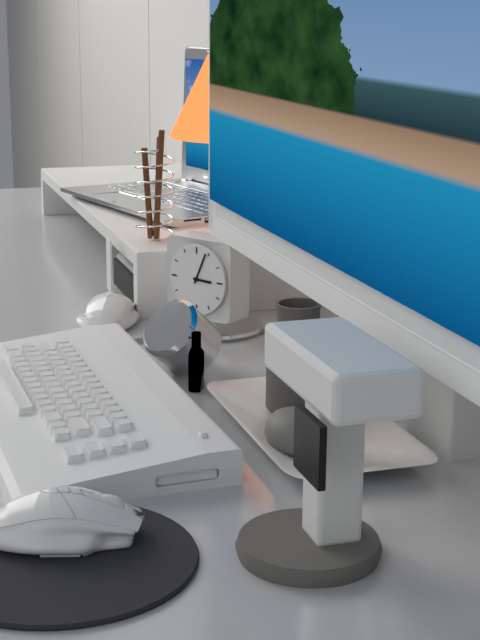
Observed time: 3:04
